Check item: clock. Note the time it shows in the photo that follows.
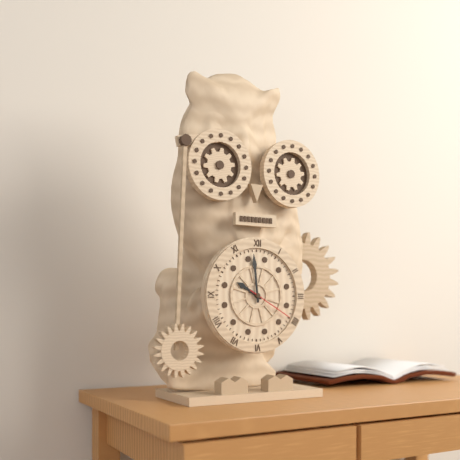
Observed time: 9:59:20
